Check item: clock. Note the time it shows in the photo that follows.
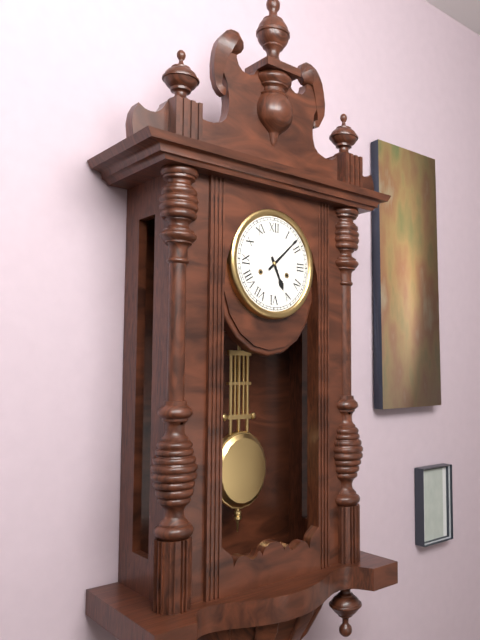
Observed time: 5:08
